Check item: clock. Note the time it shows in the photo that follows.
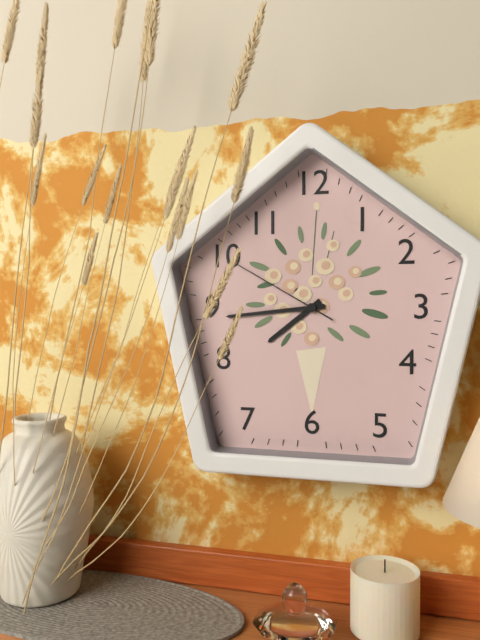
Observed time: 7:44:50
